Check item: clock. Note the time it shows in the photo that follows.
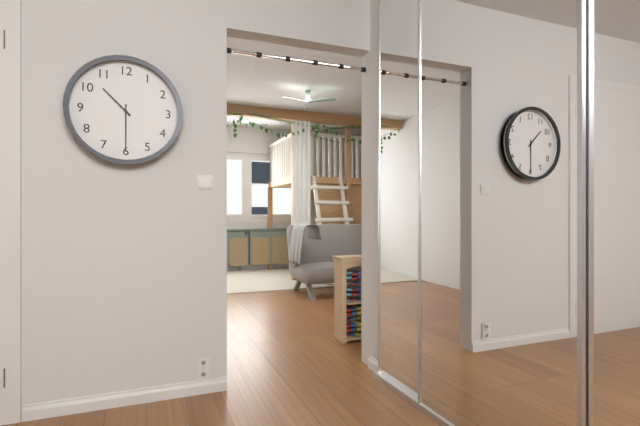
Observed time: 10:30
